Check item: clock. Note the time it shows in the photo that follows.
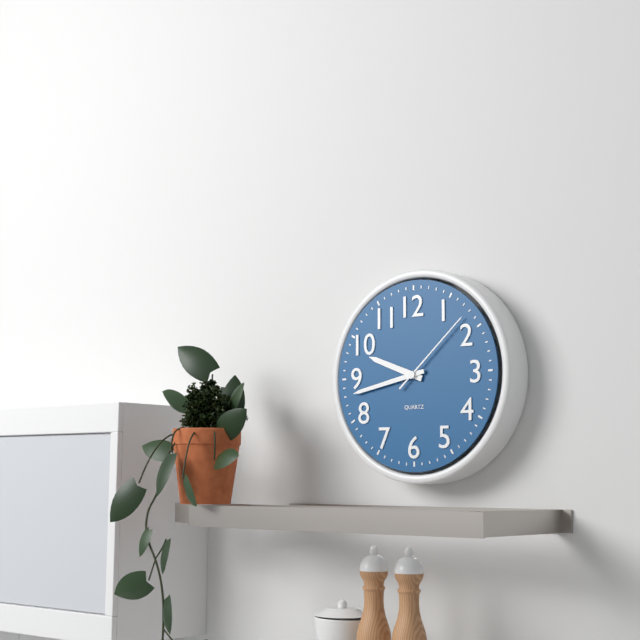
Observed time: 9:43:08
